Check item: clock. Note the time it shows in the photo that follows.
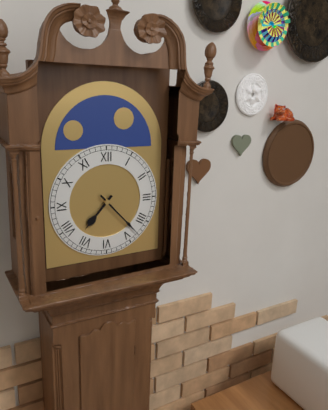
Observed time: 7:23
